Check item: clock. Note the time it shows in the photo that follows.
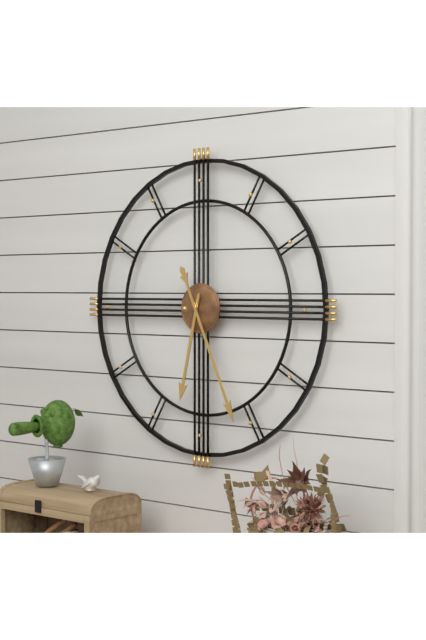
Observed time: 6:26
